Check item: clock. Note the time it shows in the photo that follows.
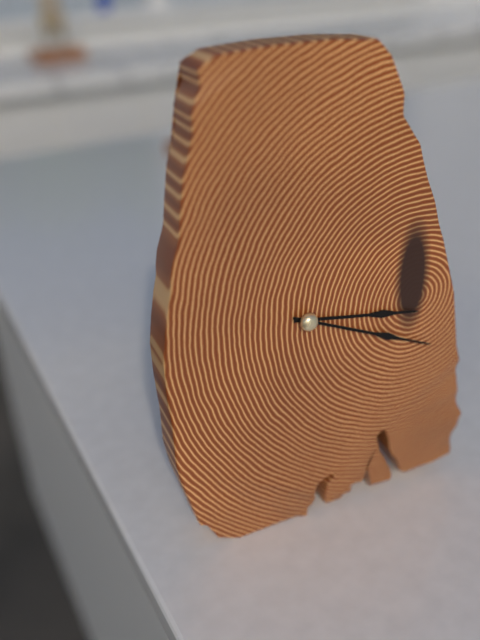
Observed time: 3:19
